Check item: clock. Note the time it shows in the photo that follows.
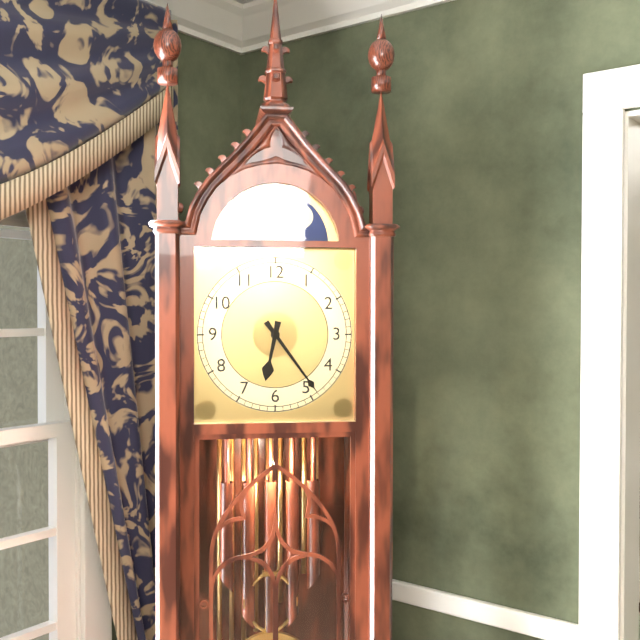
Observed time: 6:24
